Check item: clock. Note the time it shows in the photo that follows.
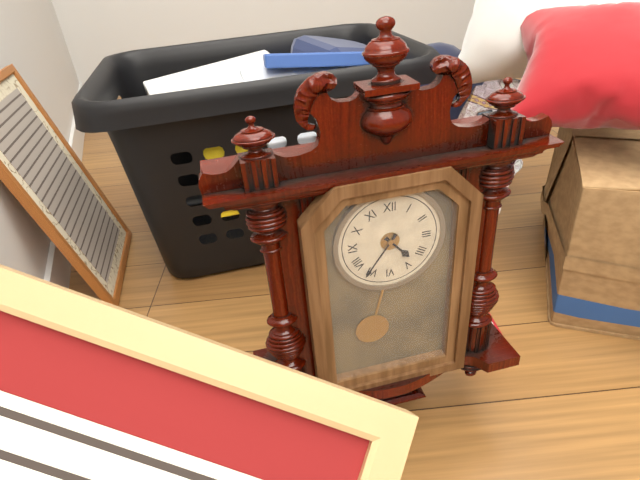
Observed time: 4:36
